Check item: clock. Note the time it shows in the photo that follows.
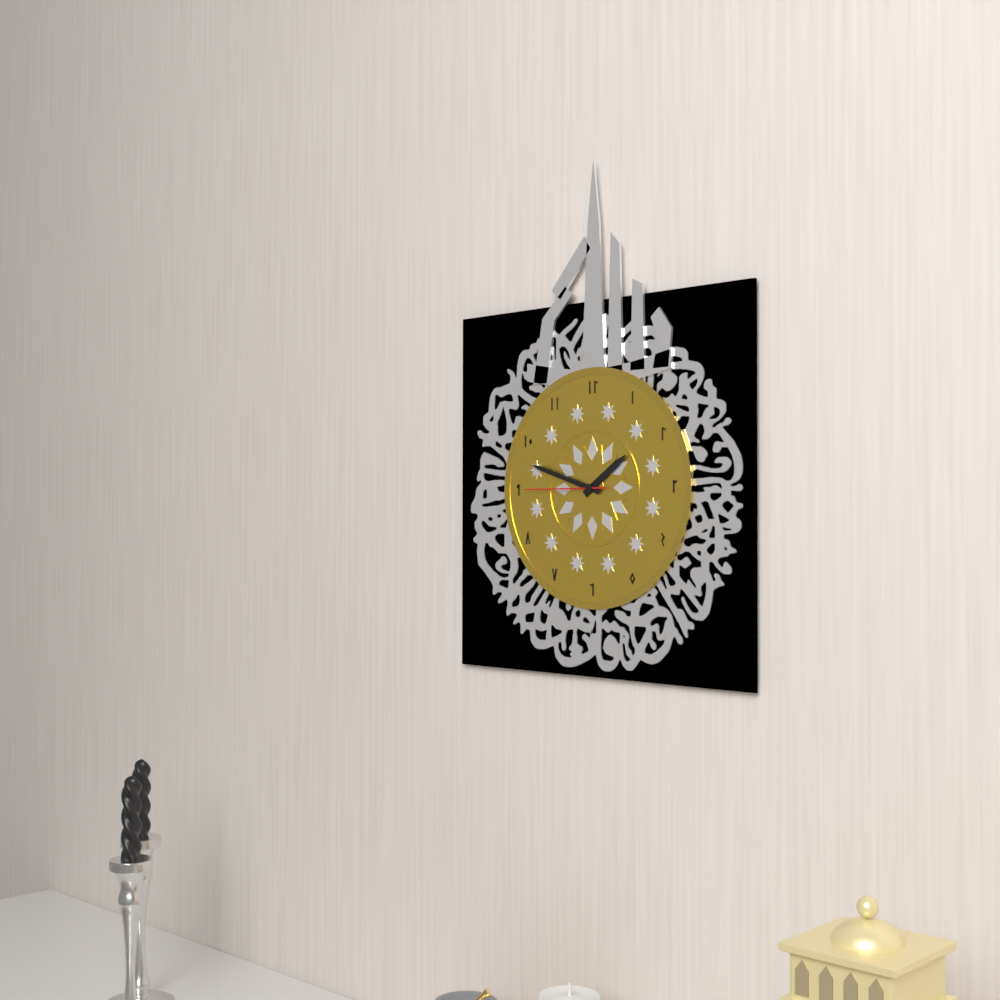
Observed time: 1:48:45
